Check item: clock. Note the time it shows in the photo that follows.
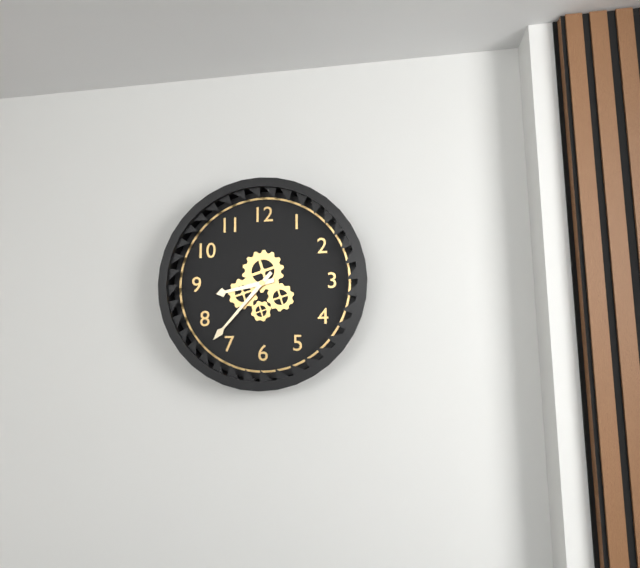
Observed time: 8:37
